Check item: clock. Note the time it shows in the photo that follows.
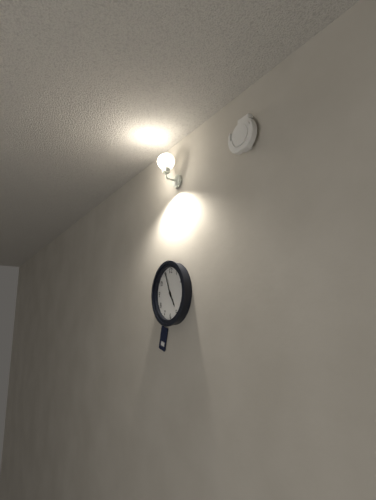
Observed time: 4:56
